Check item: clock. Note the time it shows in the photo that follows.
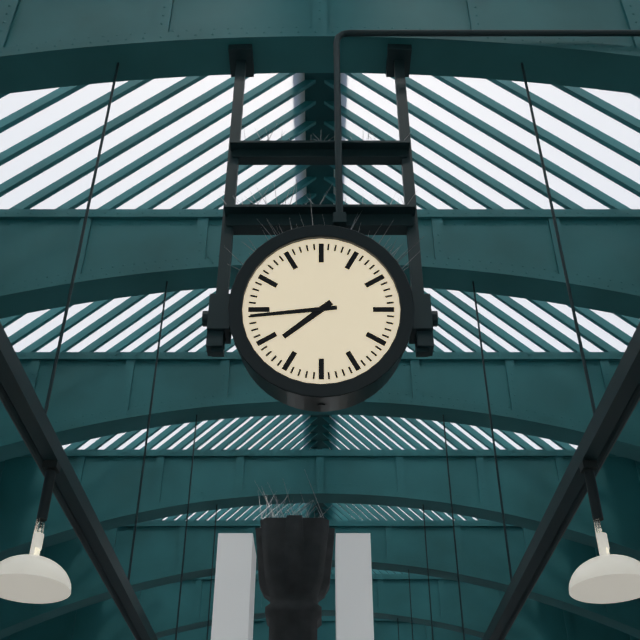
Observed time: 7:44
